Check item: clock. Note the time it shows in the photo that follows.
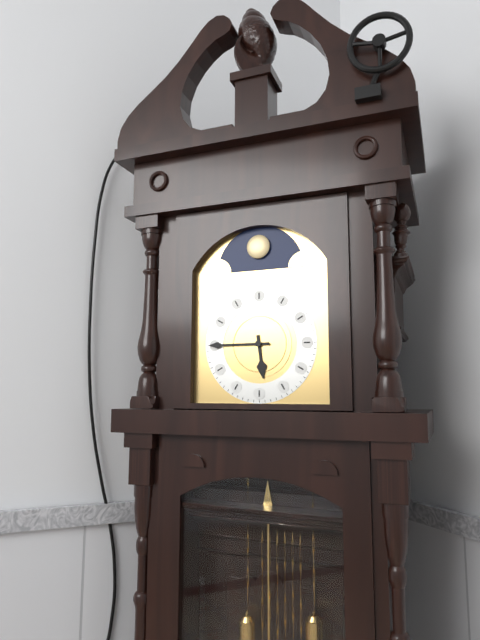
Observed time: 5:45
